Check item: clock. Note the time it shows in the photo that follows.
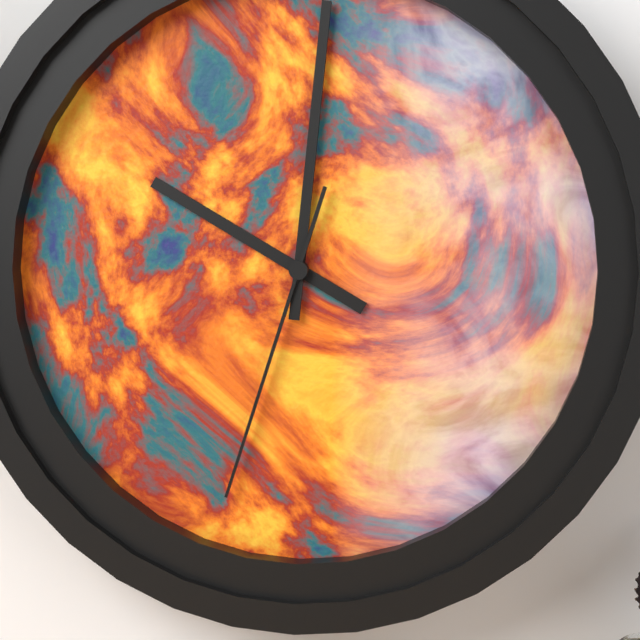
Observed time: 10:01:33
